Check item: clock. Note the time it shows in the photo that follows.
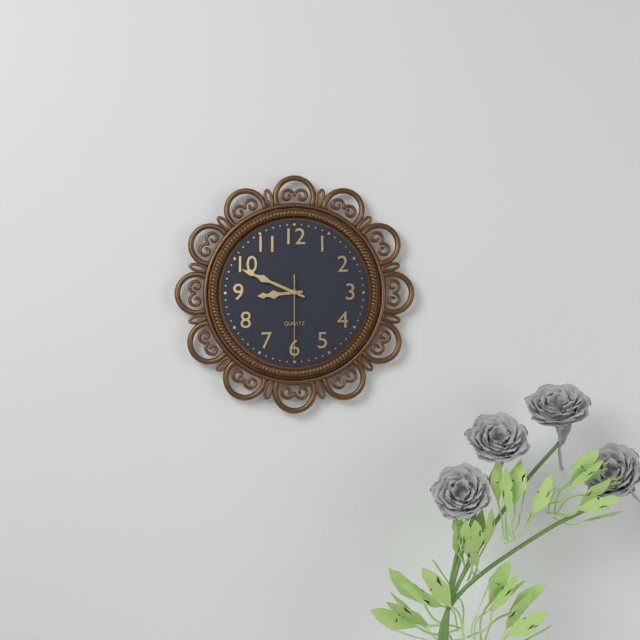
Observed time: 8:49:30
